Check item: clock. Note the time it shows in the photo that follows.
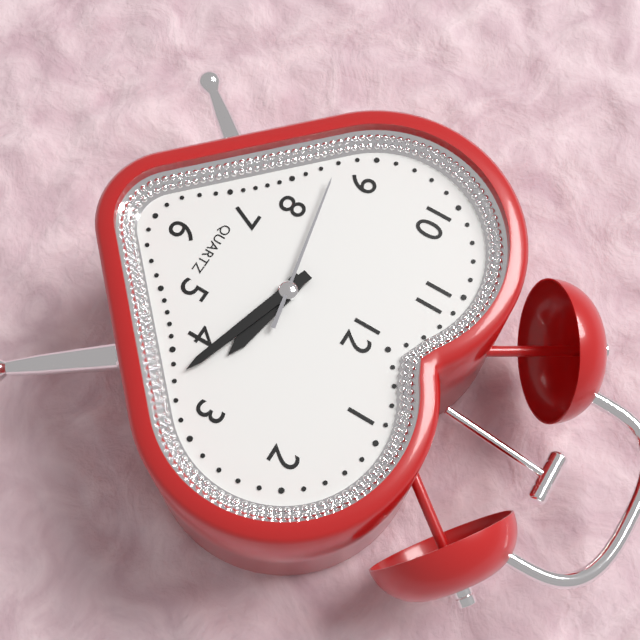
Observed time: 3:18:43
